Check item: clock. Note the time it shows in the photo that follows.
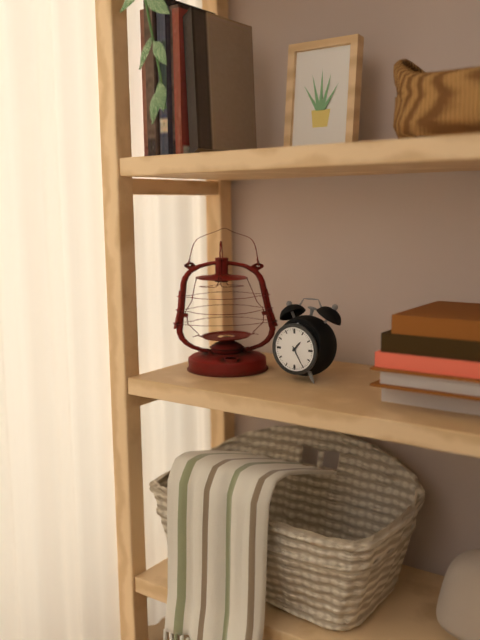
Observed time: 1:25
